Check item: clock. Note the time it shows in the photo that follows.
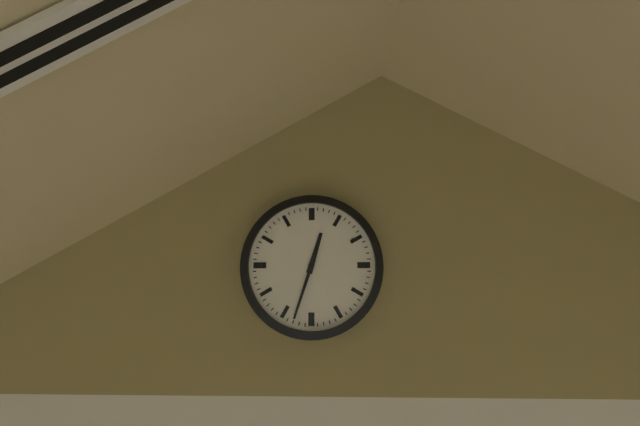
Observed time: 12:33
